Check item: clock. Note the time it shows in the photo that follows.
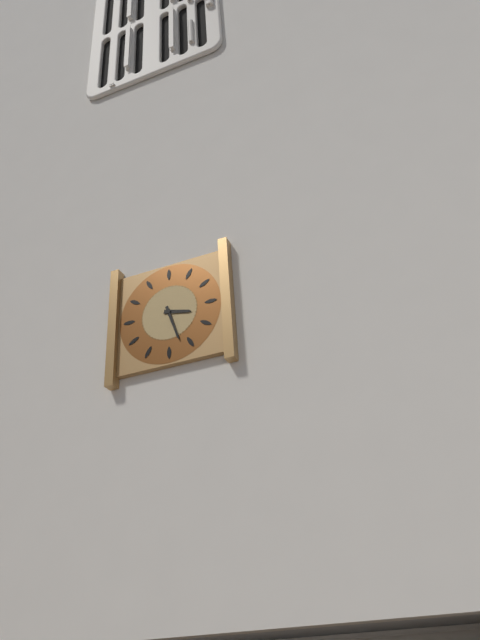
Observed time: 3:27
